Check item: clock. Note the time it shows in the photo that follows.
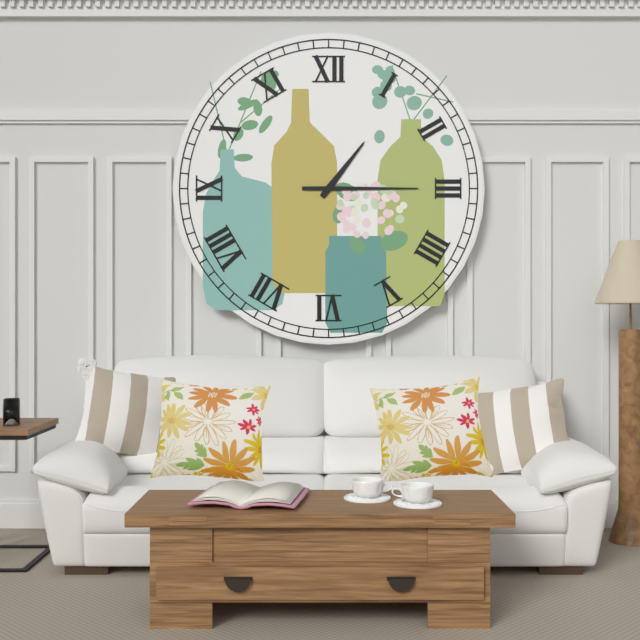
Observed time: 1:15
